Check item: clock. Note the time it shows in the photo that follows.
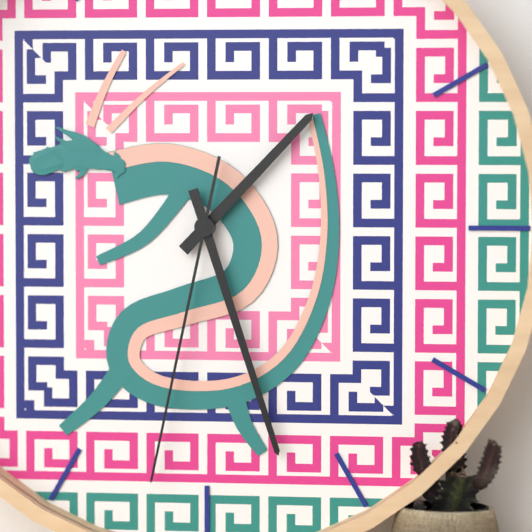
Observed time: 1:27:32
